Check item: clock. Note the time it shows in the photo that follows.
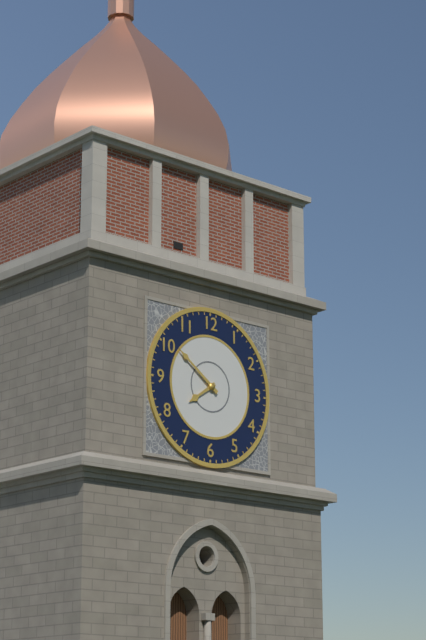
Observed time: 7:51
